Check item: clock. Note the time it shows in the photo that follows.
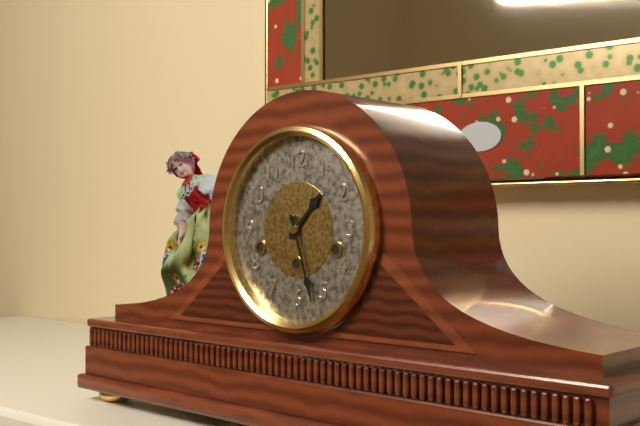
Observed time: 1:27
